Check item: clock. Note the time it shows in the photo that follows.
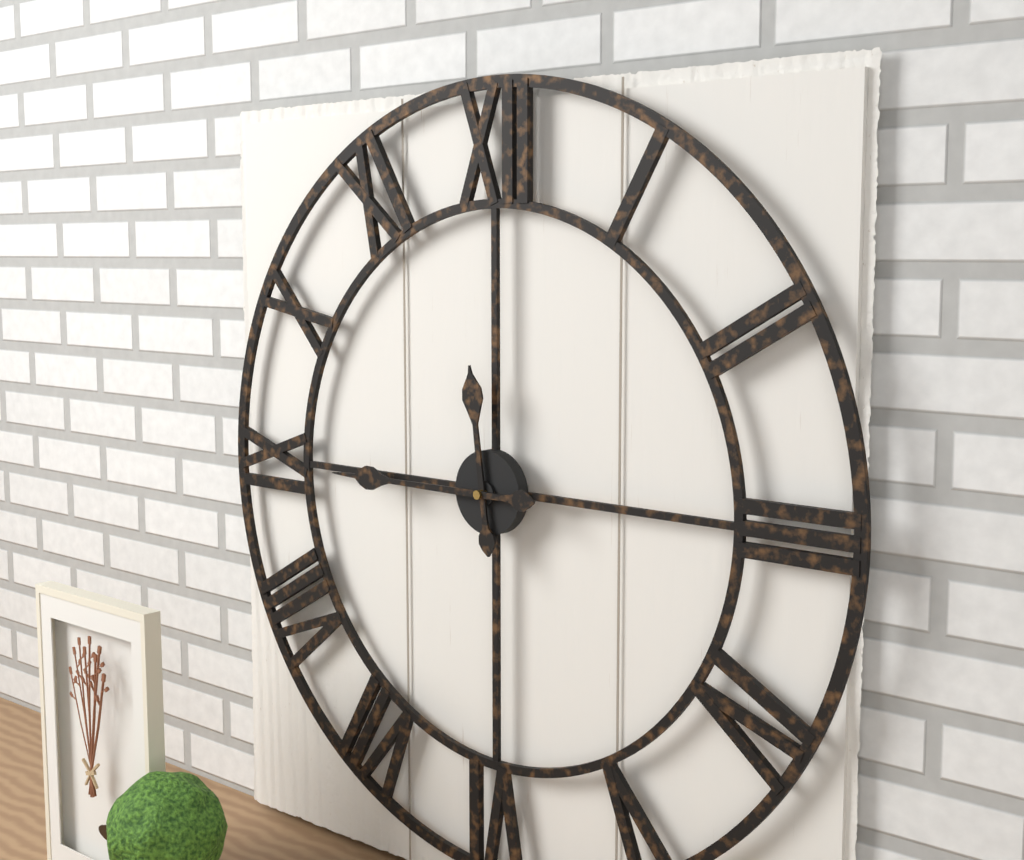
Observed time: 11:45
